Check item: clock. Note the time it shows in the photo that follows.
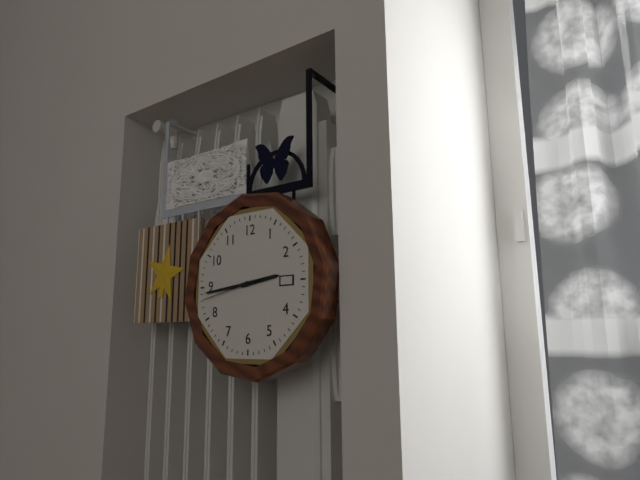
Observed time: 2:44:43
